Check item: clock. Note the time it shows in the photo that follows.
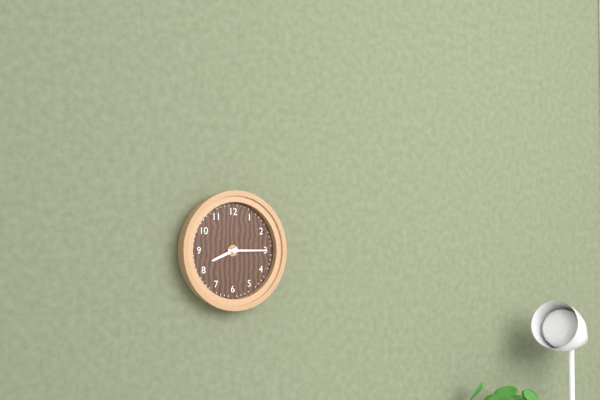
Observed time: 8:15
